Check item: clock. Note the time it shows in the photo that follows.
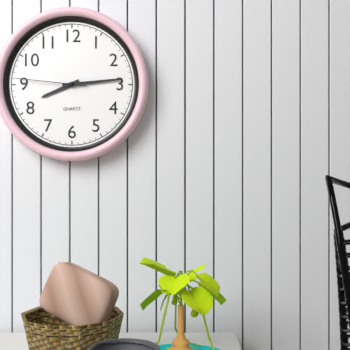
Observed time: 8:14:46
